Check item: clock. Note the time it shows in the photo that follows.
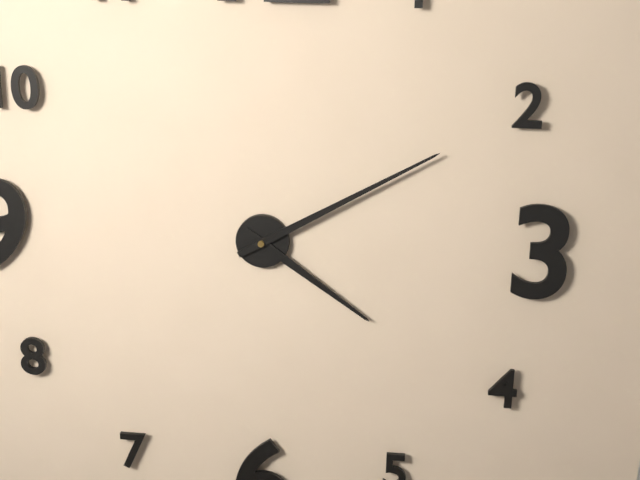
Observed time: 4:10
